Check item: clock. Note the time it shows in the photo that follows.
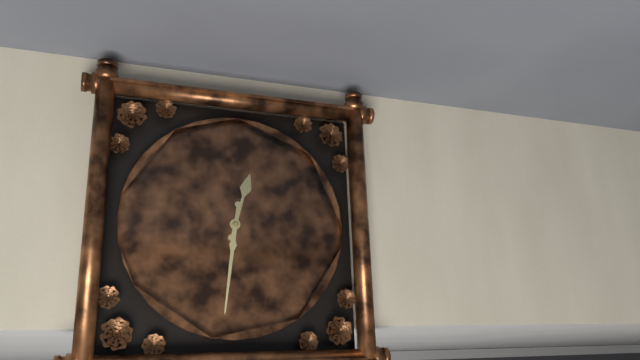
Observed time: 12:31
